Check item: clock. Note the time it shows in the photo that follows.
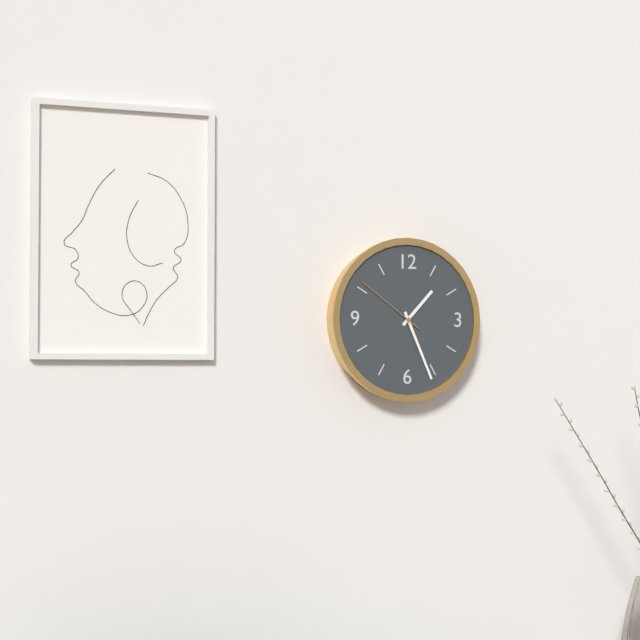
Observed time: 1:26:51
